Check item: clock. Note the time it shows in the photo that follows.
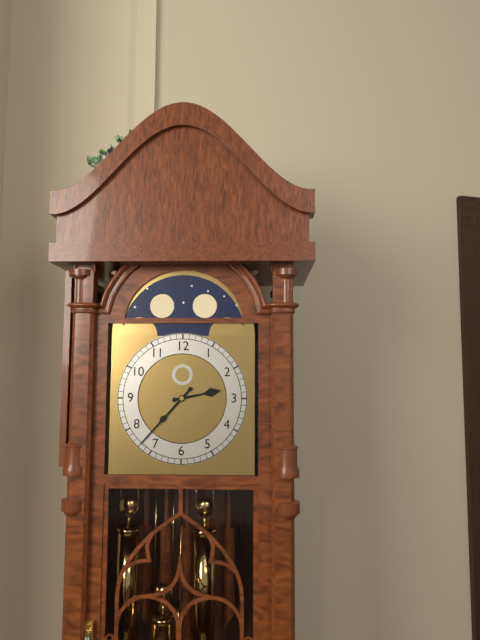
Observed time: 2:37
